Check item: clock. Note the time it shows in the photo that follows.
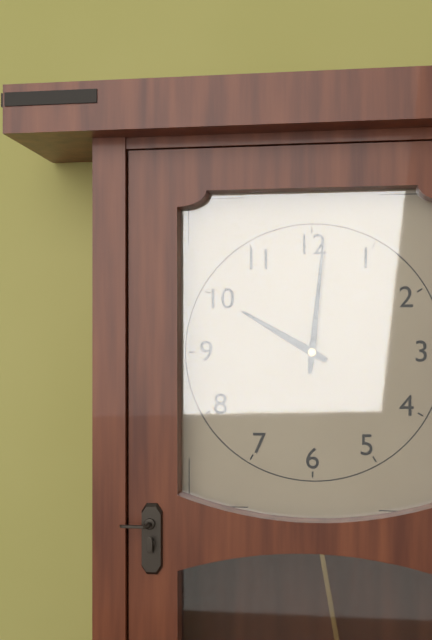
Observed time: 10:01
